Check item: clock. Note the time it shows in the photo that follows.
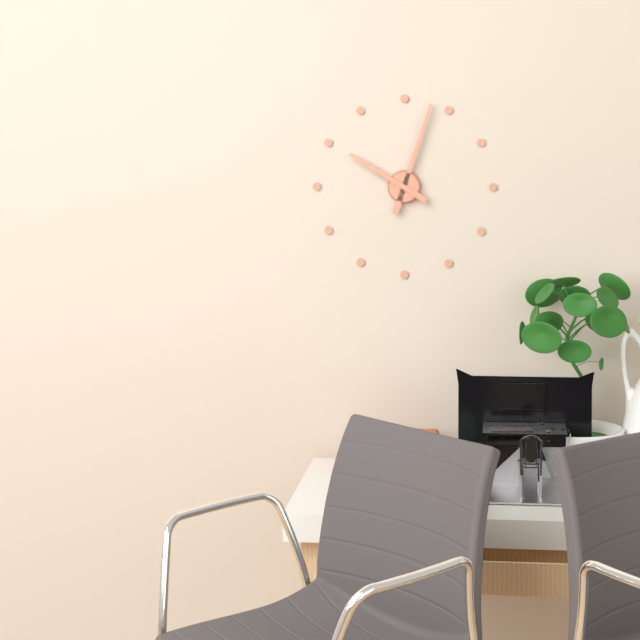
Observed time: 10:03
